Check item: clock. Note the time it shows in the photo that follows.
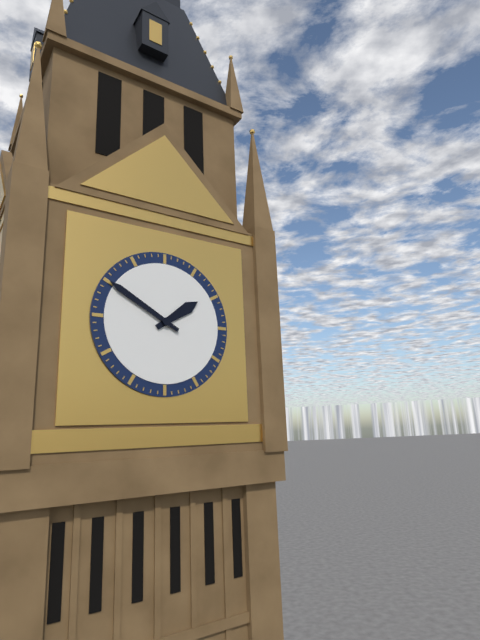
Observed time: 1:50
